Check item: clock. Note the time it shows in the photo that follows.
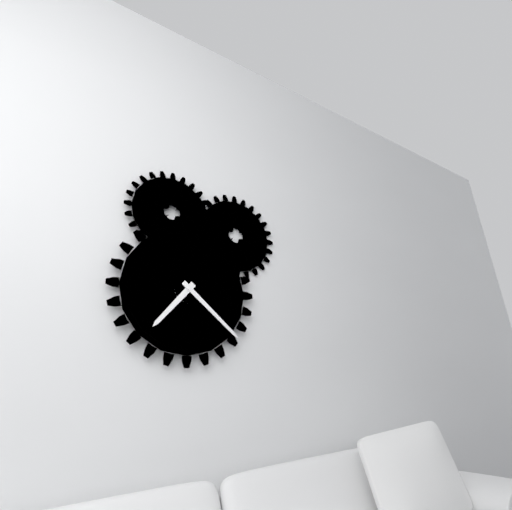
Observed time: 7:22
